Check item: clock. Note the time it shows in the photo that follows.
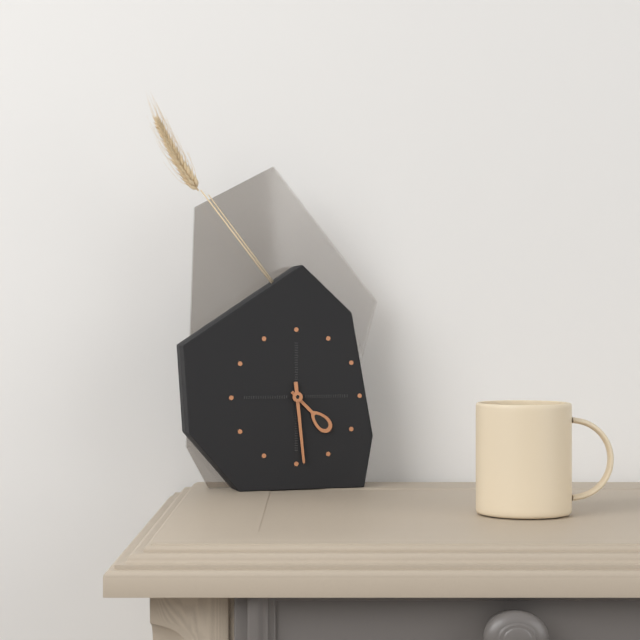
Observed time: 4:29
